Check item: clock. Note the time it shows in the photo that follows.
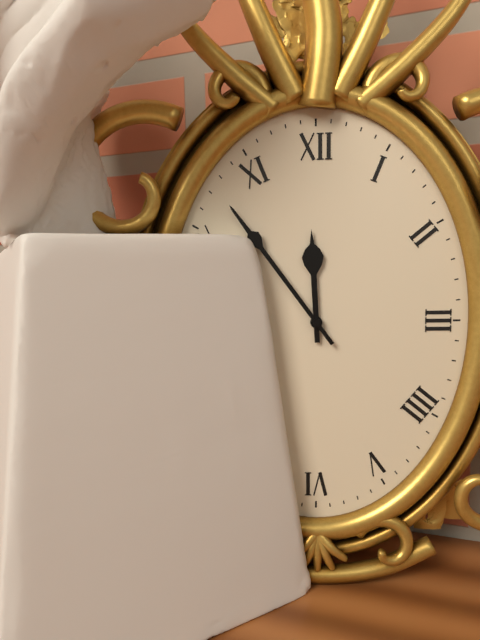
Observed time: 11:54
